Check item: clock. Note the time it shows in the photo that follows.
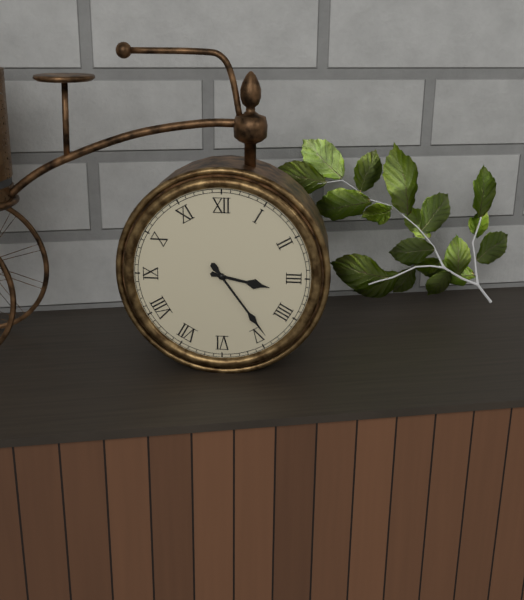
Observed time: 3:24
